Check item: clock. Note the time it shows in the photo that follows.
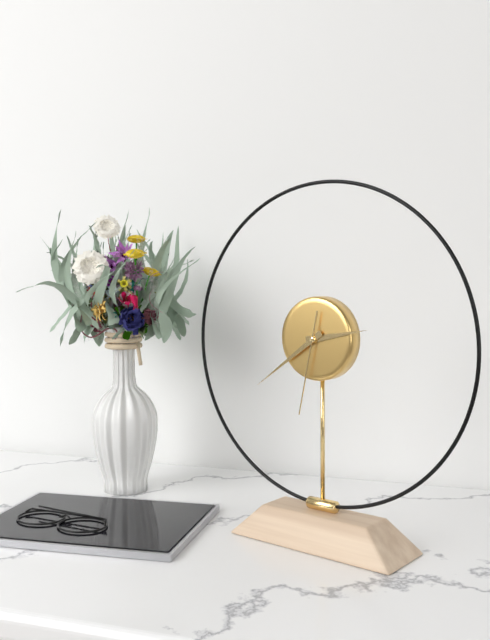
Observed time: 2:39:32
